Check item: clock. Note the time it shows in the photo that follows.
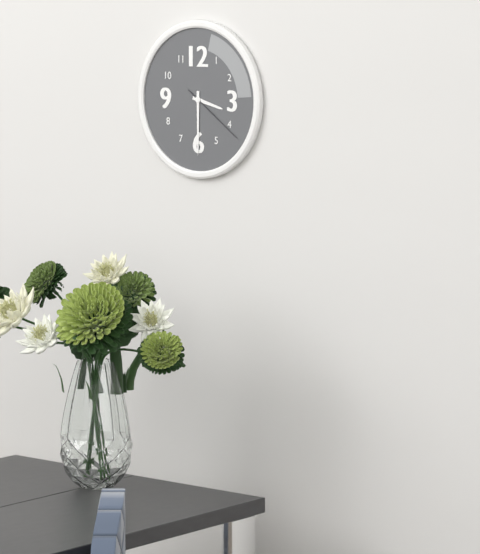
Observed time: 3:30:21
